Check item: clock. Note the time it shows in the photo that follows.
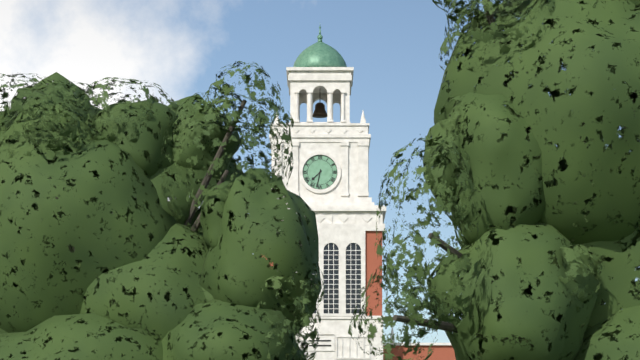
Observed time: 7:32
